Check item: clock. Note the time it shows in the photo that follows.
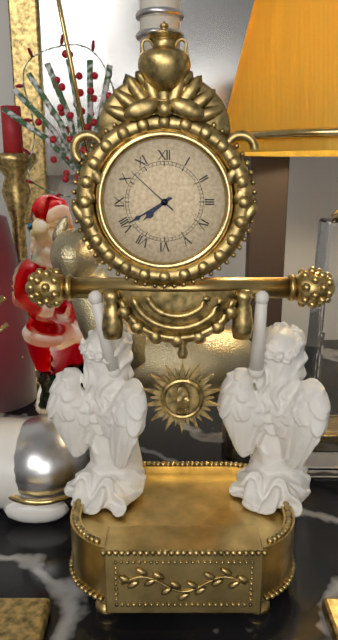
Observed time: 7:40:52
